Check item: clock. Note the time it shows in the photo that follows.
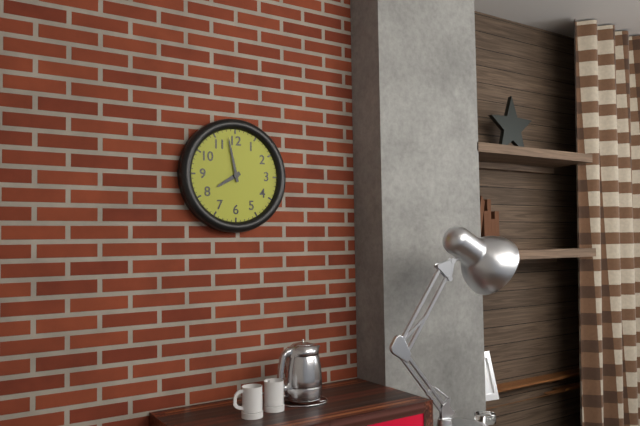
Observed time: 7:58
